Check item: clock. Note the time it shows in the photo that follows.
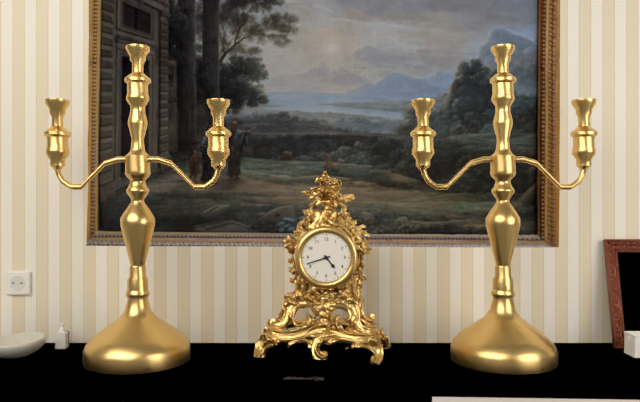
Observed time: 4:42
